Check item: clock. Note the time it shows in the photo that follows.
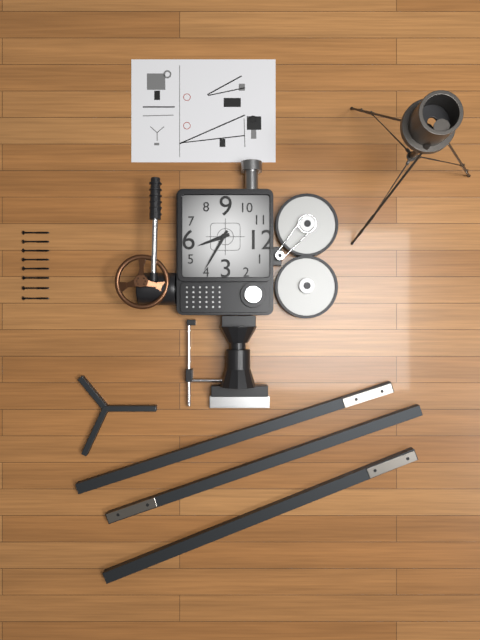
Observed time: 5:20
